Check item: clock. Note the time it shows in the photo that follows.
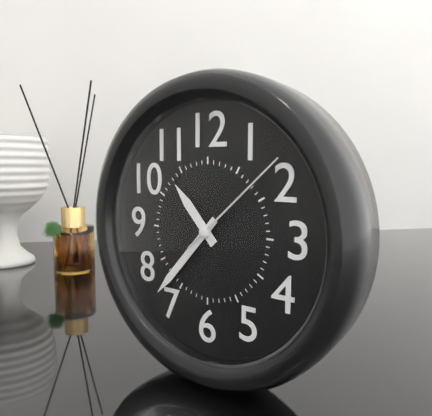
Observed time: 10:37:08
